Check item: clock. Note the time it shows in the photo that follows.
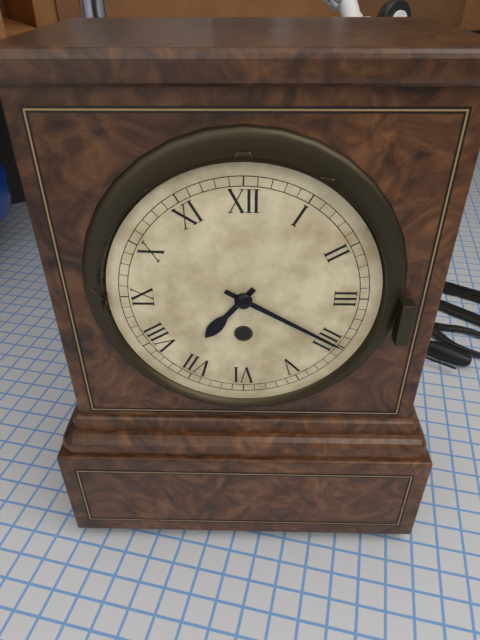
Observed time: 7:20
